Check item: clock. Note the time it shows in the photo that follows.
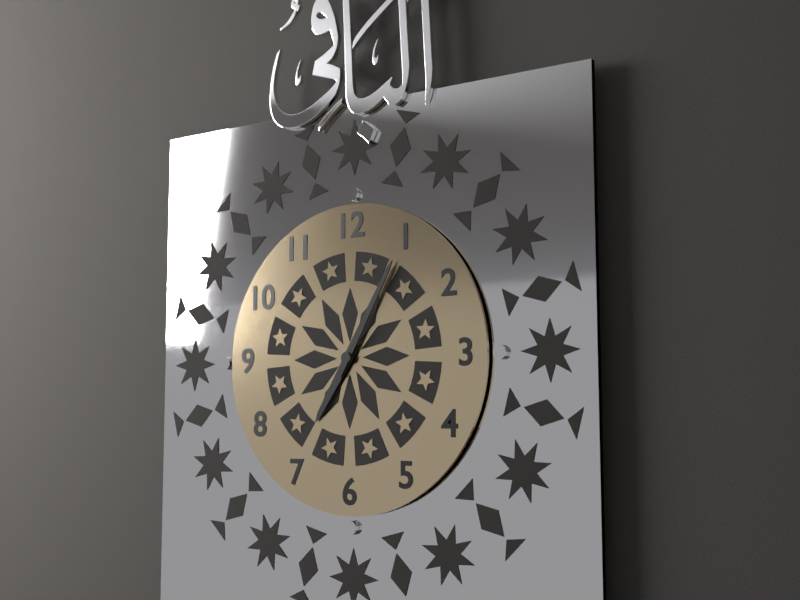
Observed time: 7:05
